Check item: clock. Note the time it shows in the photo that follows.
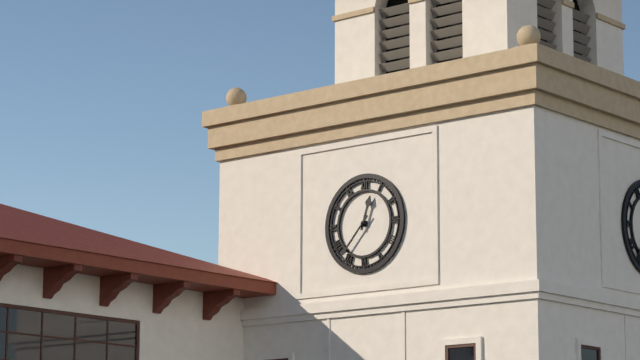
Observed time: 12:37
